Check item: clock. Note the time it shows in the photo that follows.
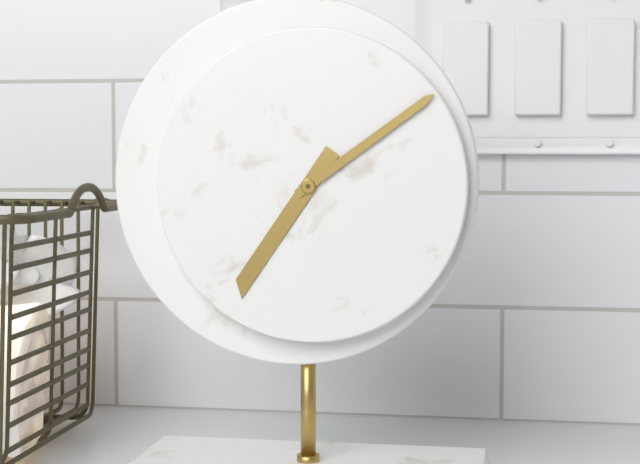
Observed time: 7:09
